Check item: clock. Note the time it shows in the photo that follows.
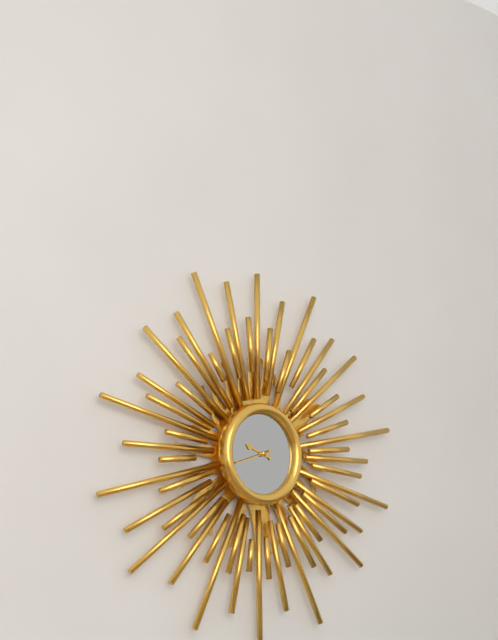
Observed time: 9:42
